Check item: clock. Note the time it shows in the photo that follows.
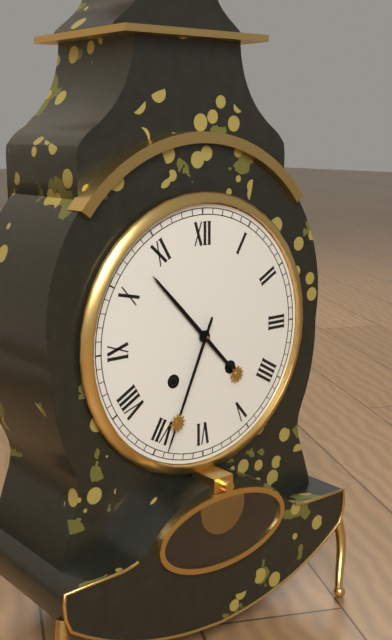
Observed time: 10:34
